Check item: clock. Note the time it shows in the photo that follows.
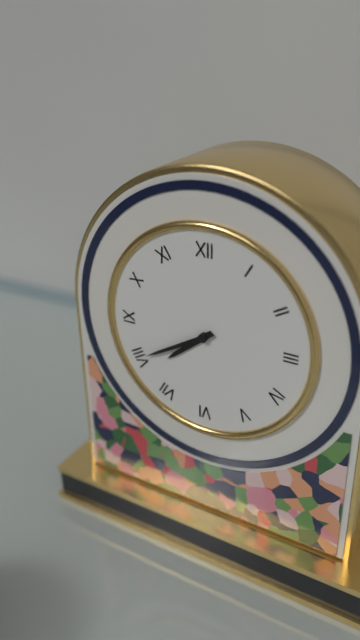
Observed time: 7:40
